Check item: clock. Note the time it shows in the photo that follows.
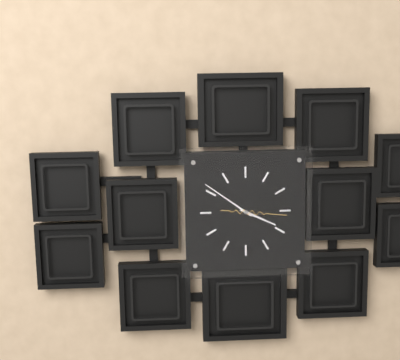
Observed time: 3:51:16
